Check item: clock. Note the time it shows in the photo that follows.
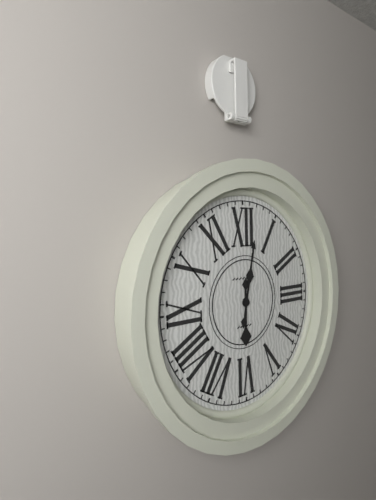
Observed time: 6:02
